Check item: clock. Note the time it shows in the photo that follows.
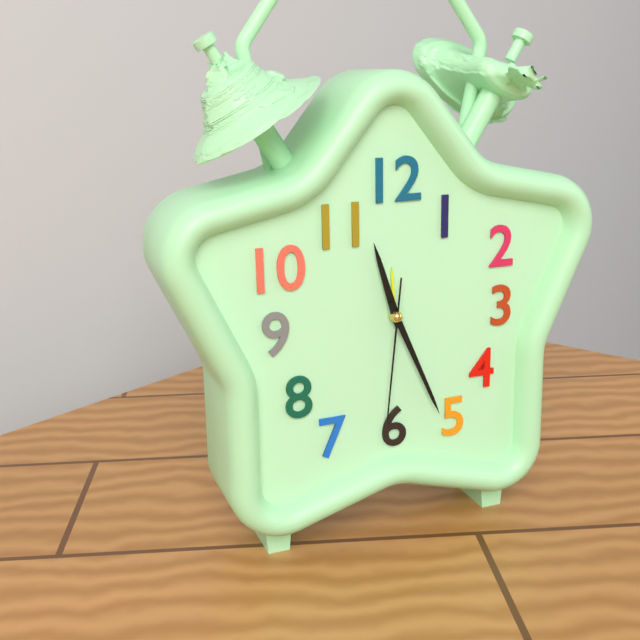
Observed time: 11:26:31
